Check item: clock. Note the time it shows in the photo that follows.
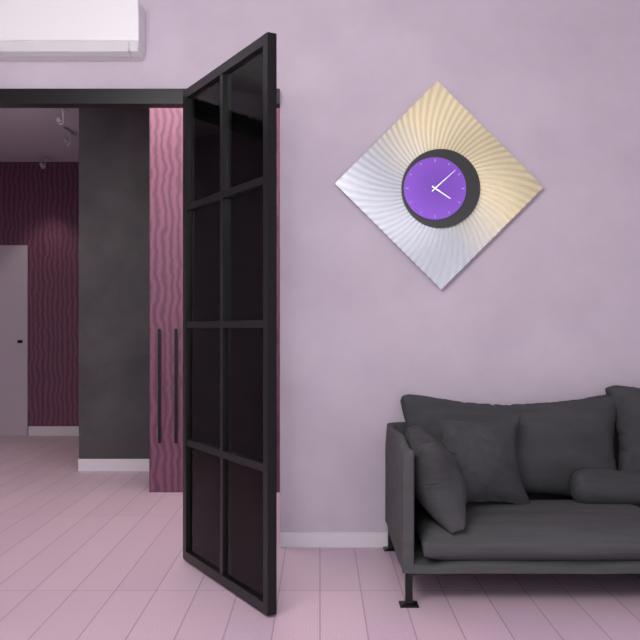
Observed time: 4:08
